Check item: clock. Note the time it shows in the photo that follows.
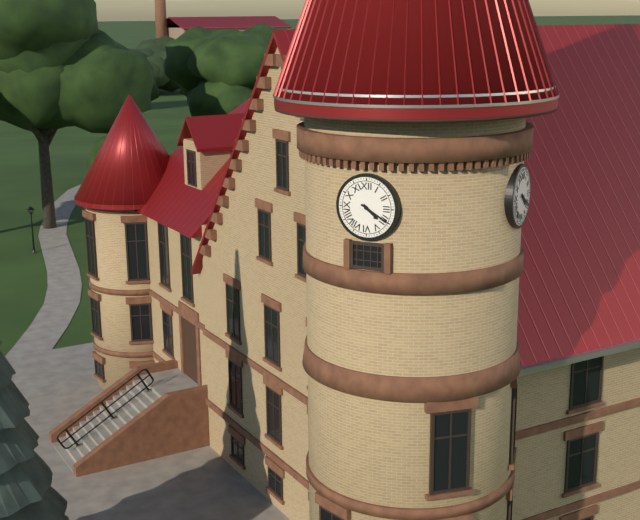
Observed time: 4:20
